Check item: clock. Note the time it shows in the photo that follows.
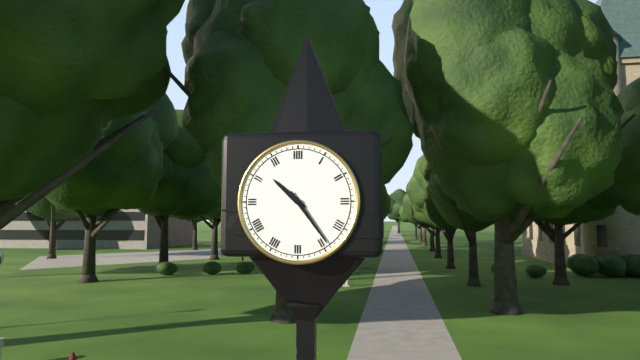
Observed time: 10:24
